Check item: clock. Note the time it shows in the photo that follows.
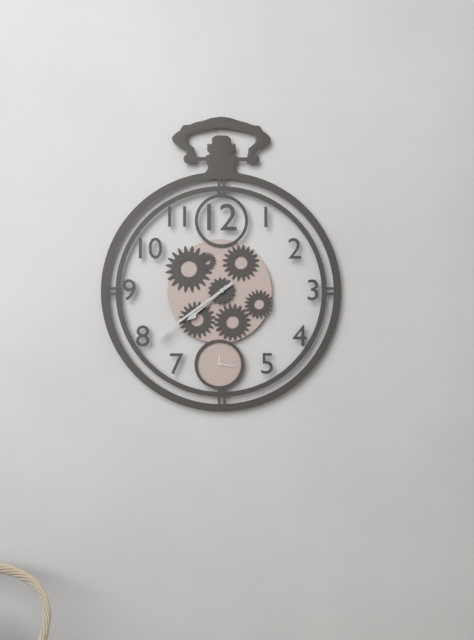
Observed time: 7:39
